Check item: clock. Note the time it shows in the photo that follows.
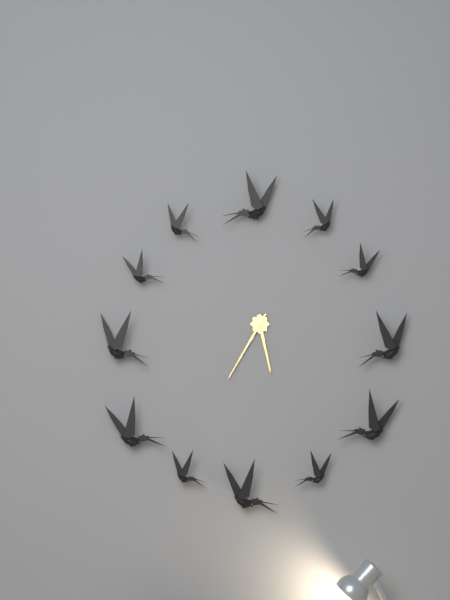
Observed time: 5:35
